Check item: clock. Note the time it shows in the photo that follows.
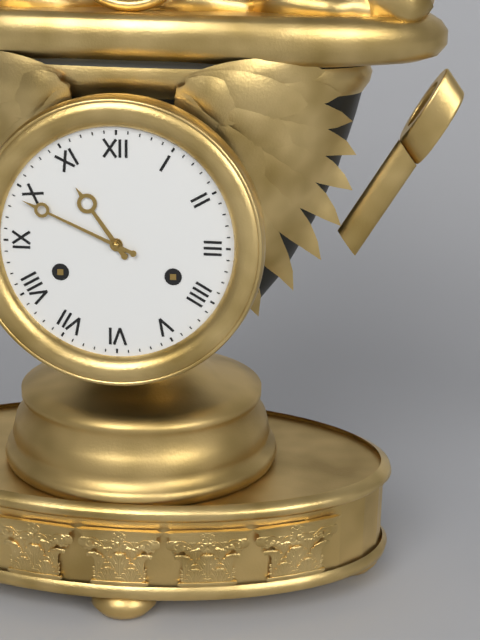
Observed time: 10:49
